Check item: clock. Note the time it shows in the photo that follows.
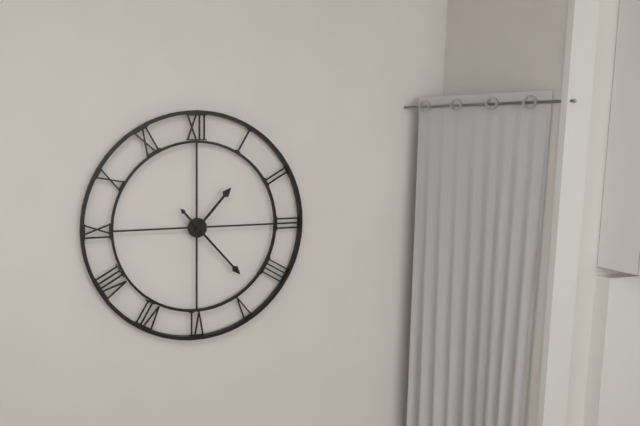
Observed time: 1:23
